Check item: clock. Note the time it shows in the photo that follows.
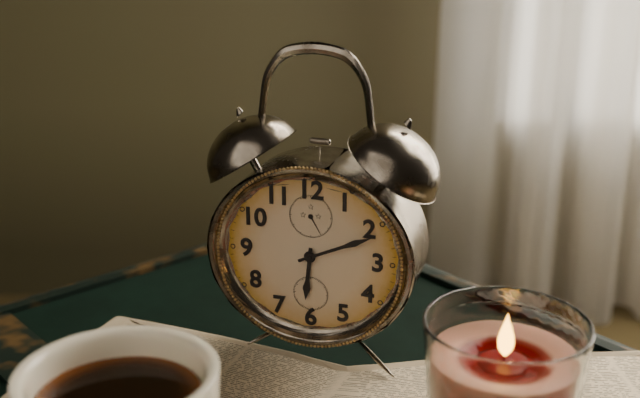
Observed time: 6:11
